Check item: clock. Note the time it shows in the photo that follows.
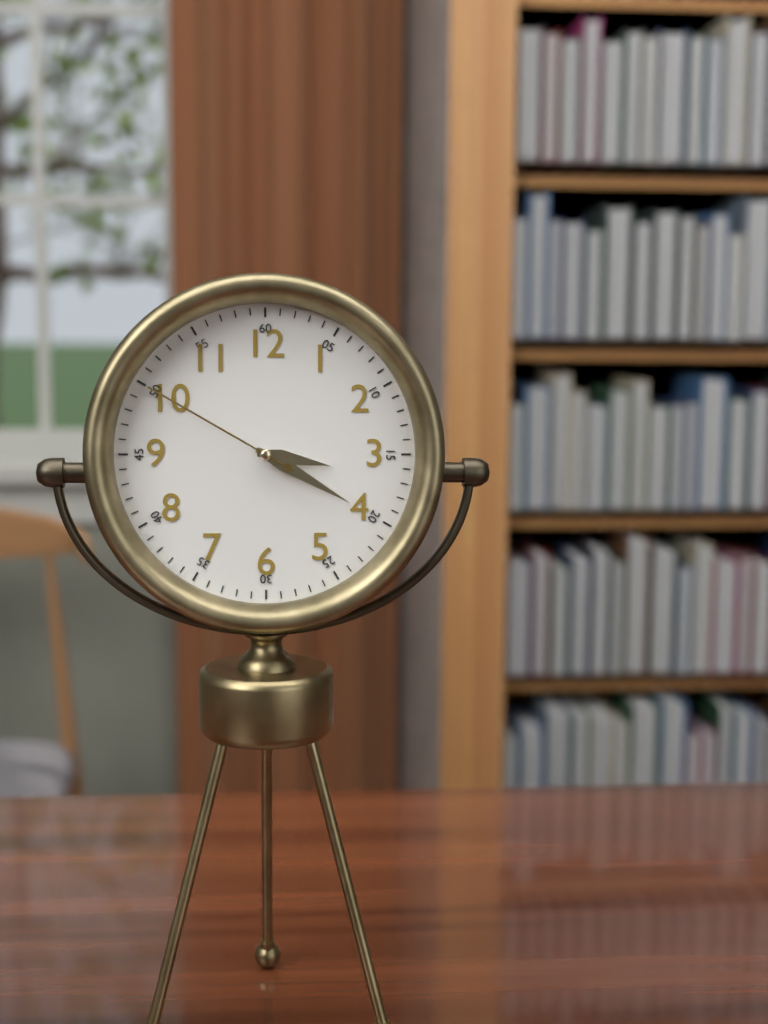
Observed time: 3:20:50
